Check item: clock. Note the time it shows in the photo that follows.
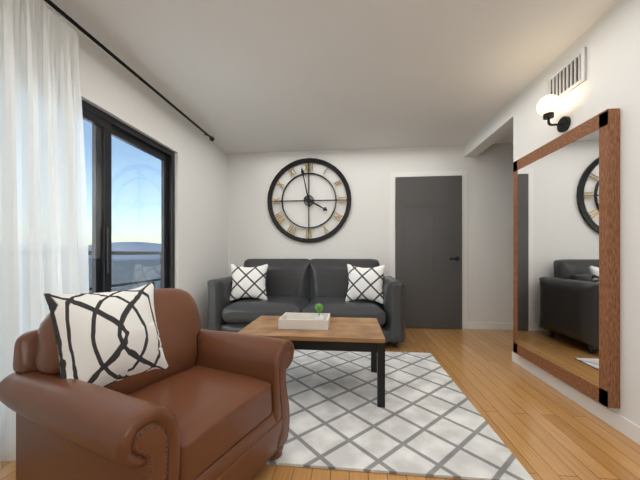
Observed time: 3:58
